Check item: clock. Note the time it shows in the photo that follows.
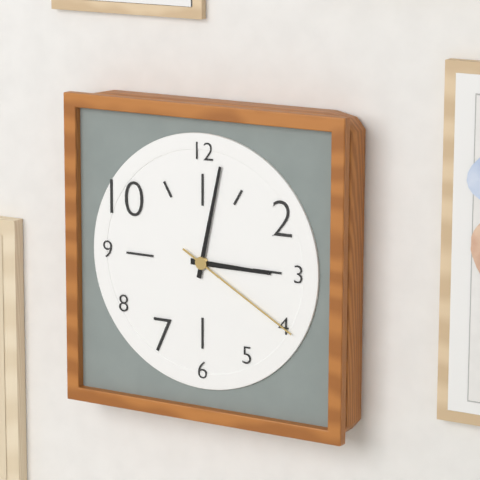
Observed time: 3:02:20
